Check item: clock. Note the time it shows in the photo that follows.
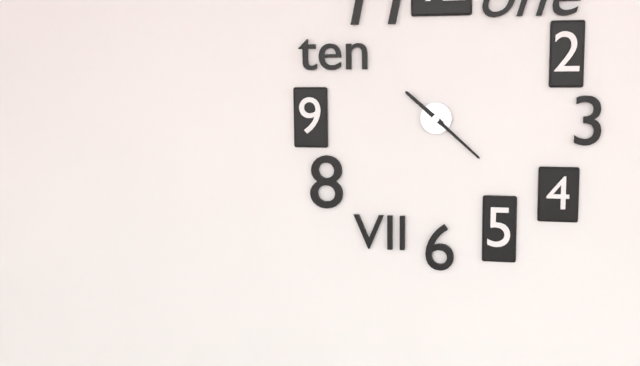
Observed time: 10:22
